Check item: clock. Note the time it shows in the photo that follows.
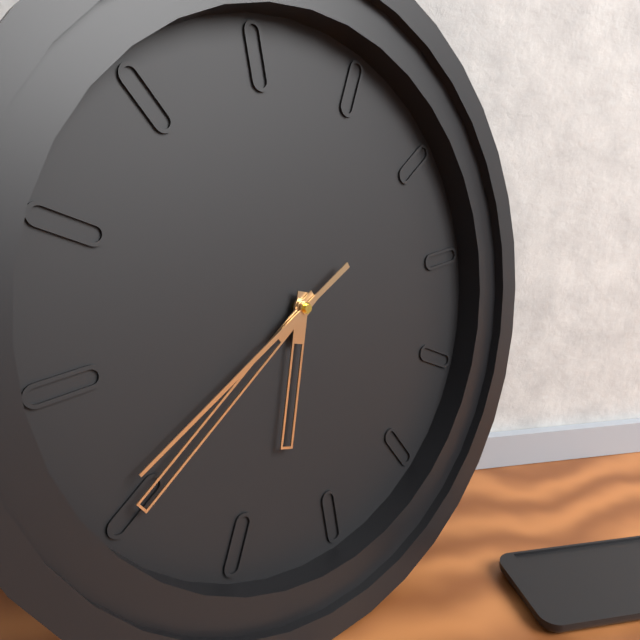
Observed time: 6:40:41
